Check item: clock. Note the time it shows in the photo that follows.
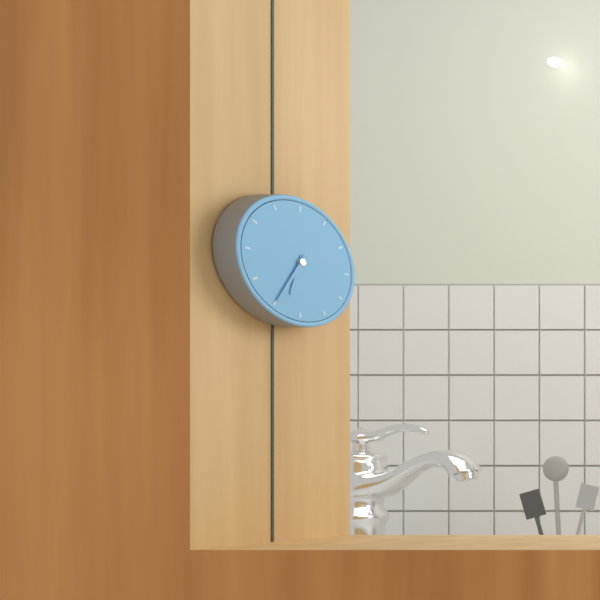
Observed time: 6:35
